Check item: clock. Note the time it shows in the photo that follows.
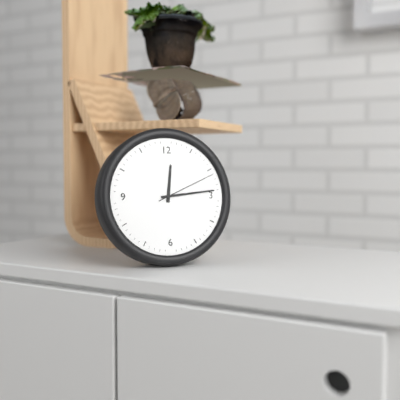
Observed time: 12:14:11
